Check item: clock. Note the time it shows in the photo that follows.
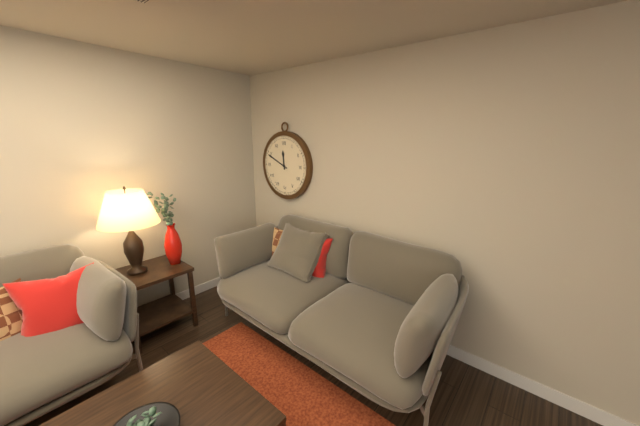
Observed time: 11:49
